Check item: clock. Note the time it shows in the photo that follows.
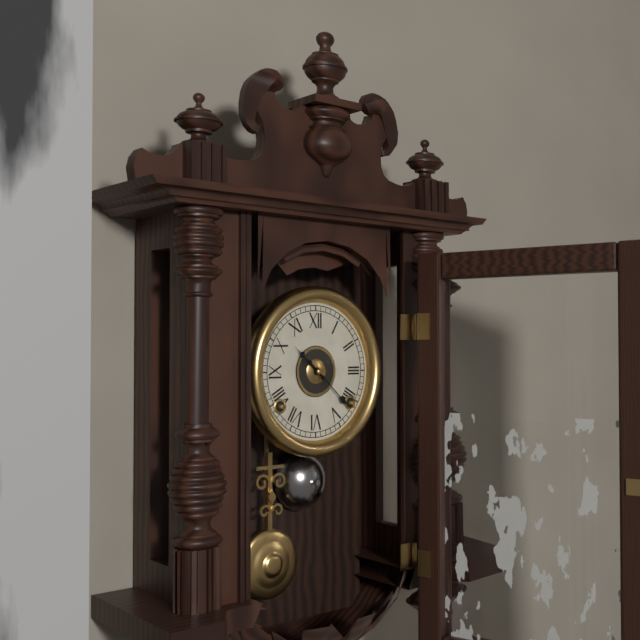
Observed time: 10:22
